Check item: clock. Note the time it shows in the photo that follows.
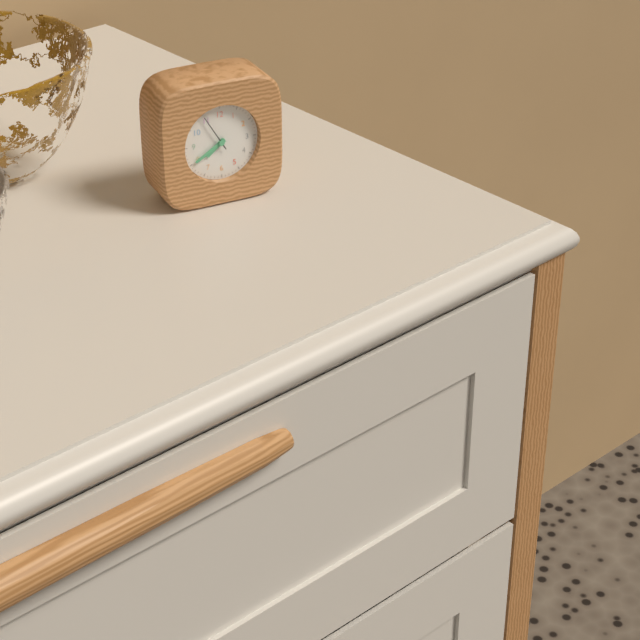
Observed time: 7:40
